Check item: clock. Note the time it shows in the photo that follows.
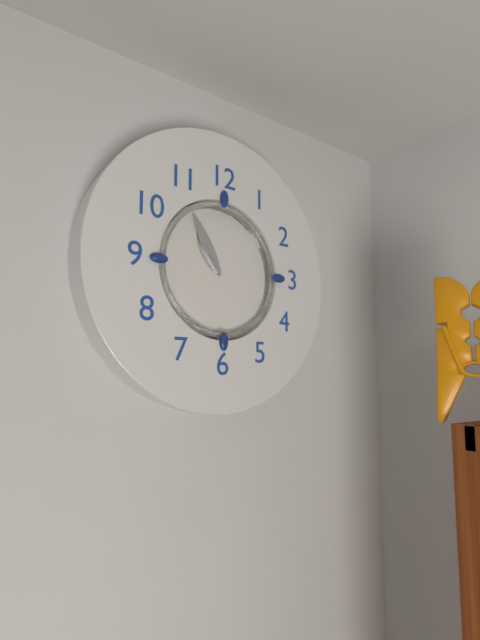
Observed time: 10:55
